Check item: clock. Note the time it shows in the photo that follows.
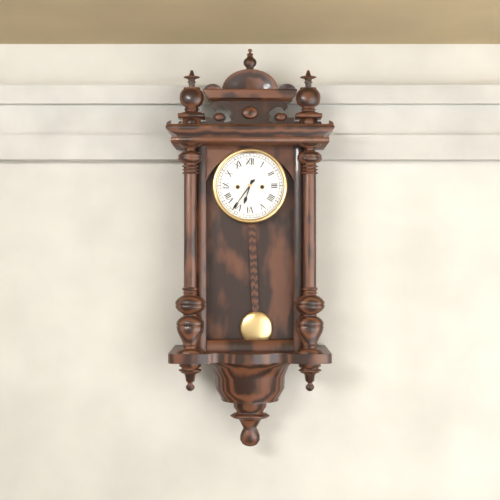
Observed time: 6:36
